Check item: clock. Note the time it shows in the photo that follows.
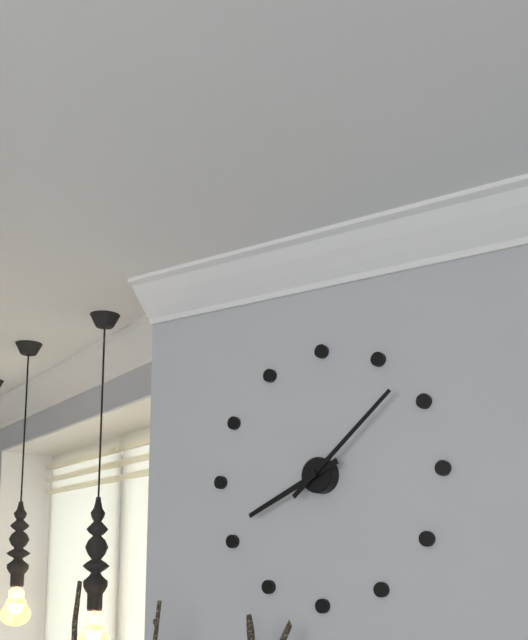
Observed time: 8:08
